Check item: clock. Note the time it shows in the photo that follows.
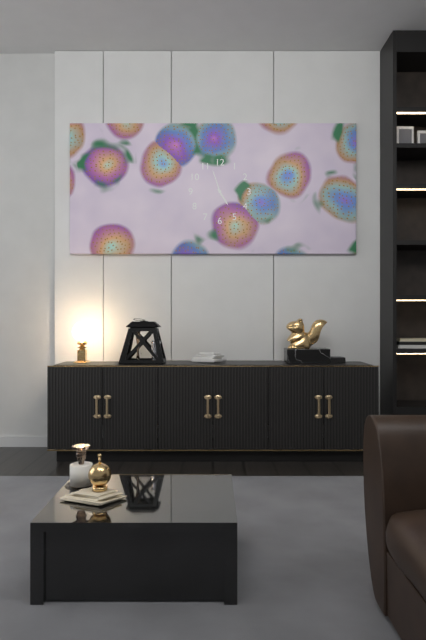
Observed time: 4:57
